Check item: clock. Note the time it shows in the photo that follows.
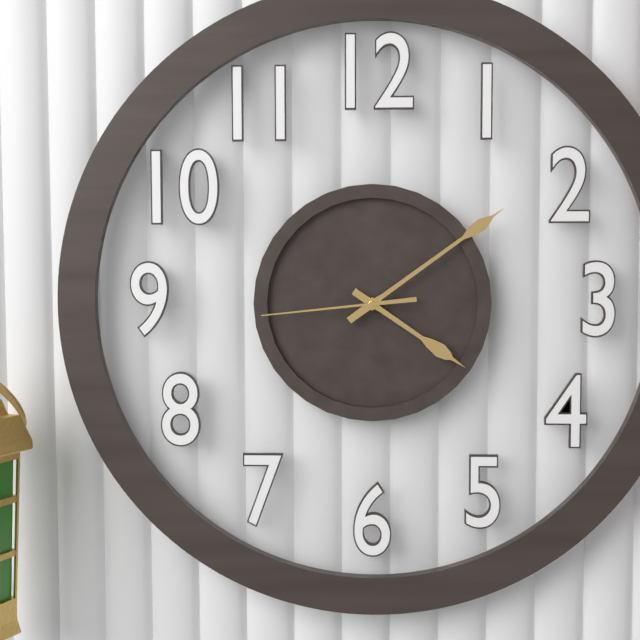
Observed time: 4:09:44
